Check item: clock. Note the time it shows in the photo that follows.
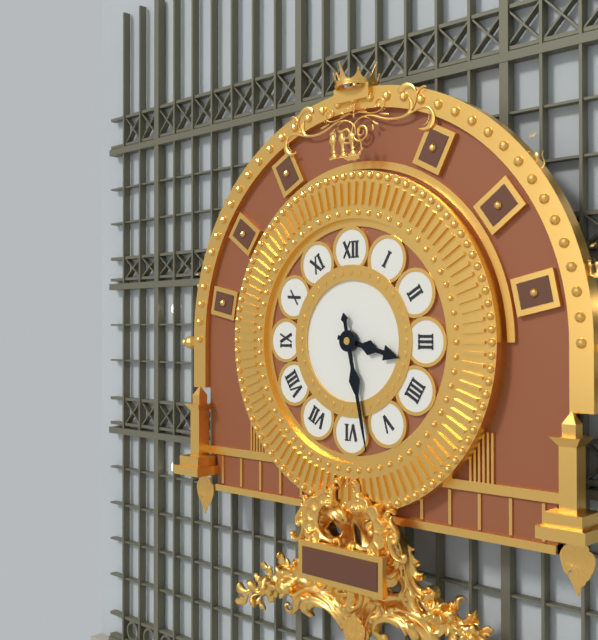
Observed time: 3:28
